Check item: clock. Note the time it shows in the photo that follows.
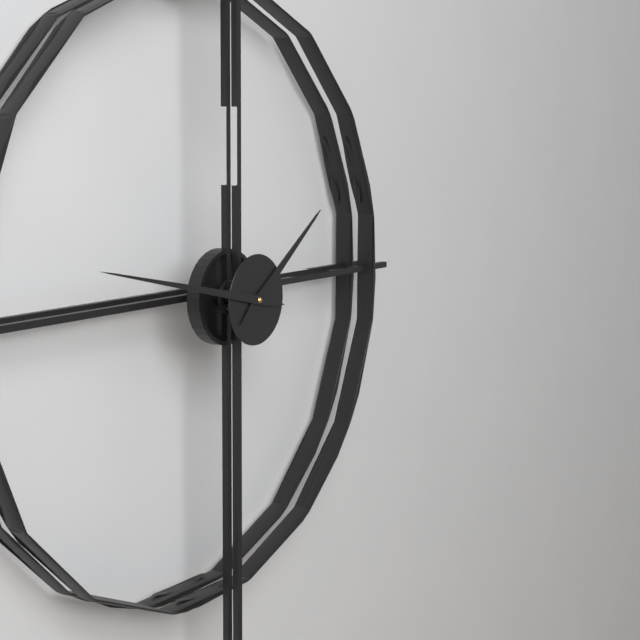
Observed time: 1:47
